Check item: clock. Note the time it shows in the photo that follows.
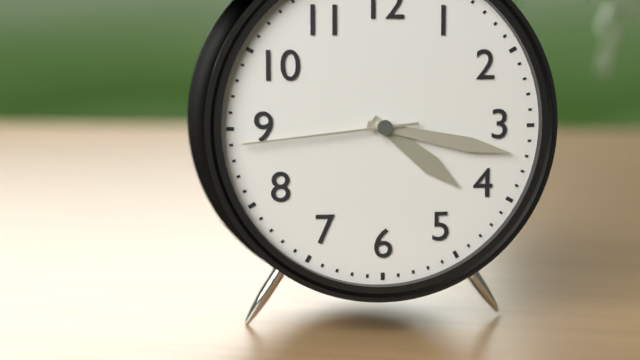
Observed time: 4:17:44
